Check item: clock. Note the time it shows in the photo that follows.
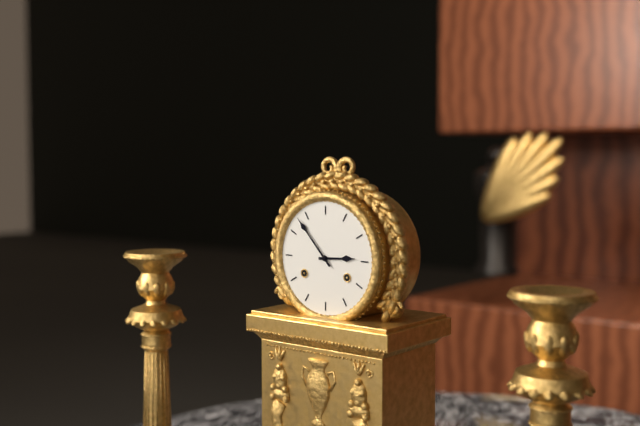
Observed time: 2:53
